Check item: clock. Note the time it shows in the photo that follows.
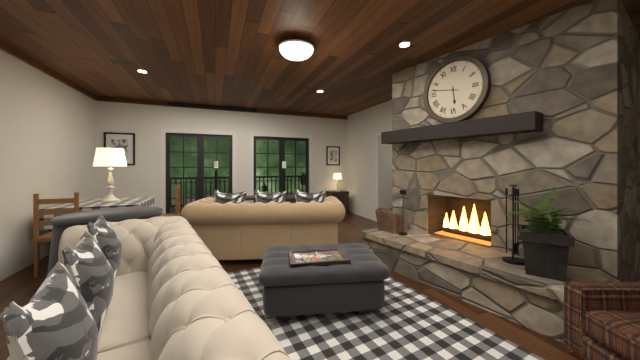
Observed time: 5:47
